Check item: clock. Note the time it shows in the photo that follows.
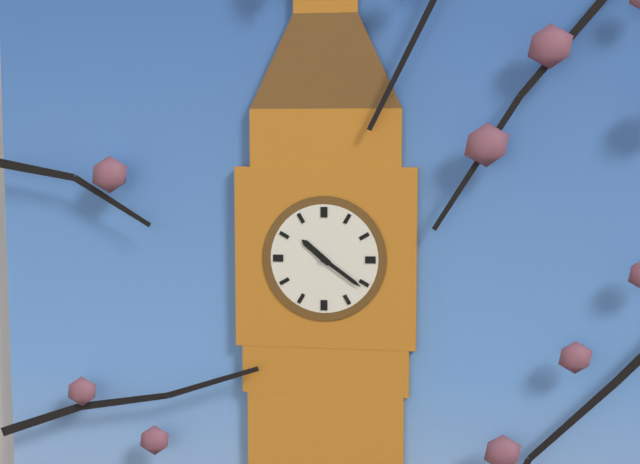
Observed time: 10:21
